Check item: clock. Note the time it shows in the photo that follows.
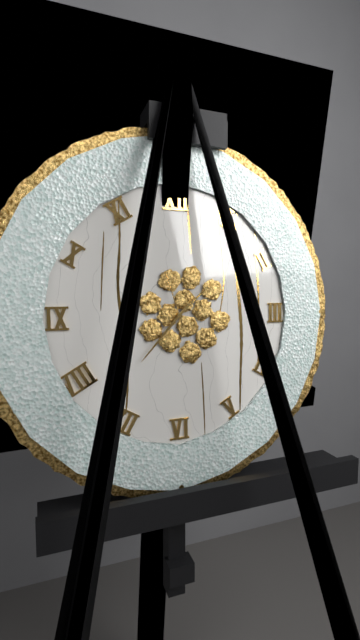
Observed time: 1:37:57
